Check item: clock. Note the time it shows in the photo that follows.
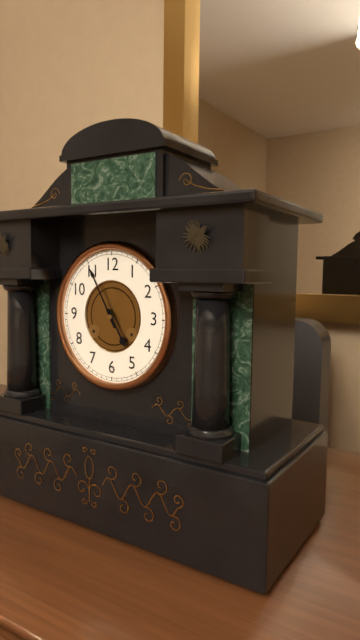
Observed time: 4:55
